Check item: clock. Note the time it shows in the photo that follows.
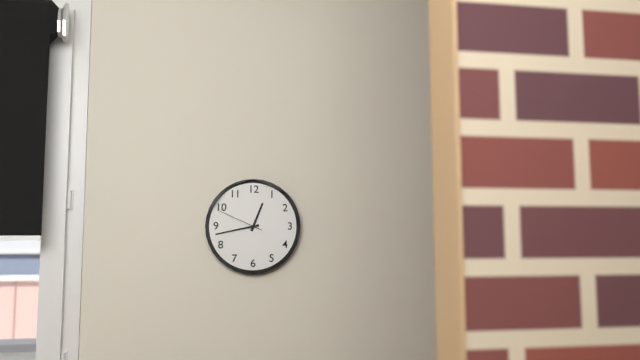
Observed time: 12:43
